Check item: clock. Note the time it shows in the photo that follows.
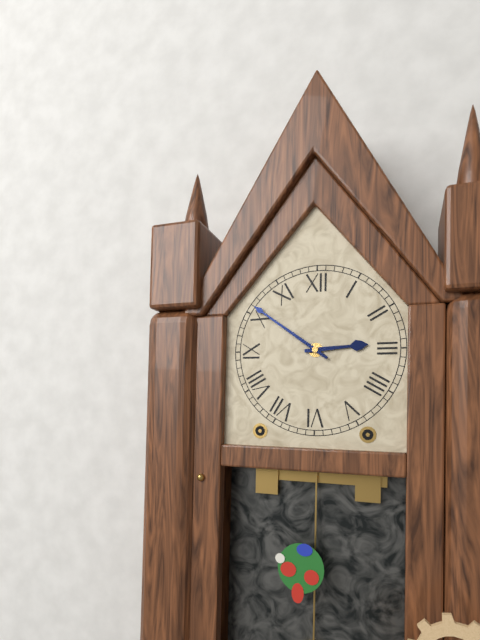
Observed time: 2:51
